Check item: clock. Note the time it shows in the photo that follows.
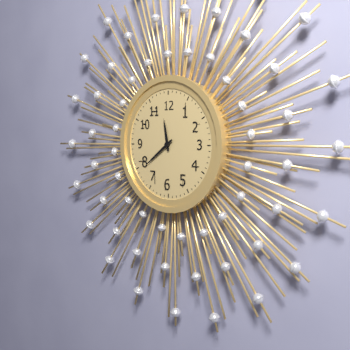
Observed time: 11:39
